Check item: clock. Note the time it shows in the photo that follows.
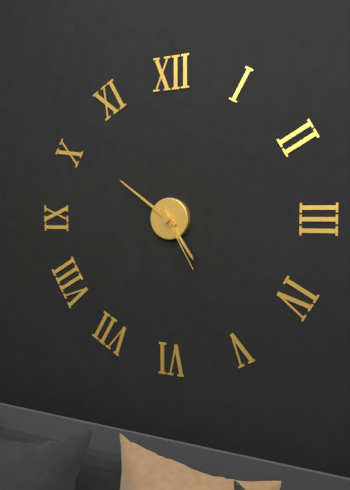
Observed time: 4:51:25
